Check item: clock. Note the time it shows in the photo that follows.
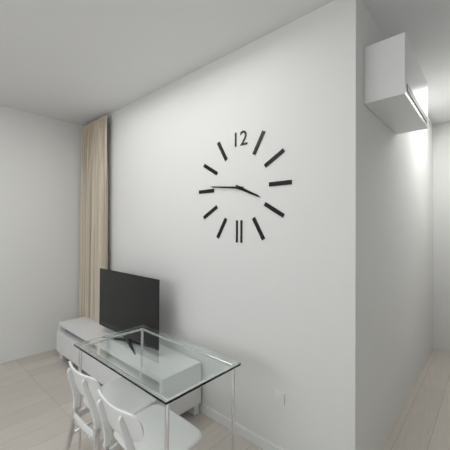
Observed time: 3:46
